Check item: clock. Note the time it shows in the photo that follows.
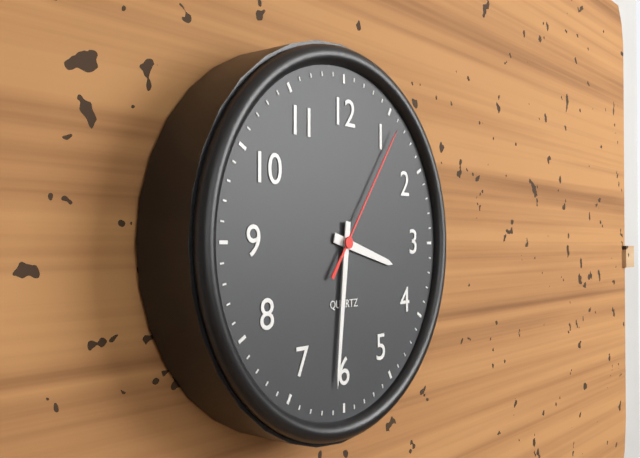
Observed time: 3:31:06
